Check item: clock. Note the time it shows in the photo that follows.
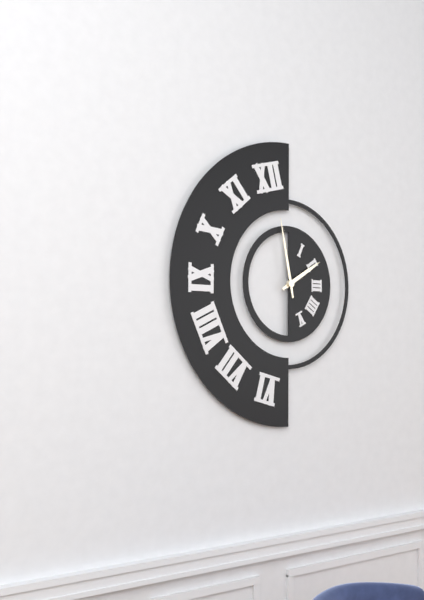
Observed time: 1:58
